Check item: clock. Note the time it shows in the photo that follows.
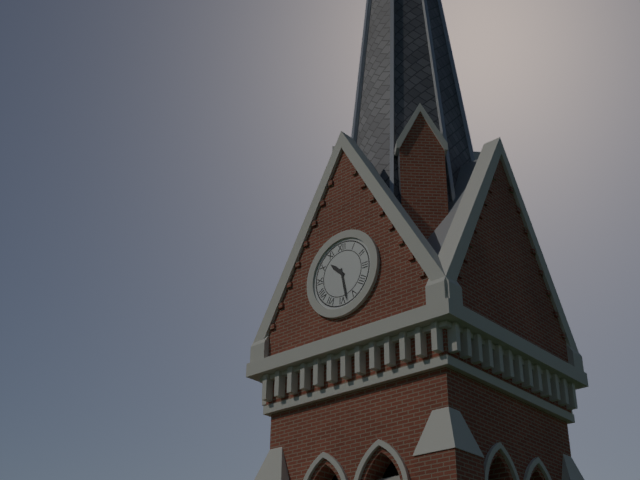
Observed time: 10:28
